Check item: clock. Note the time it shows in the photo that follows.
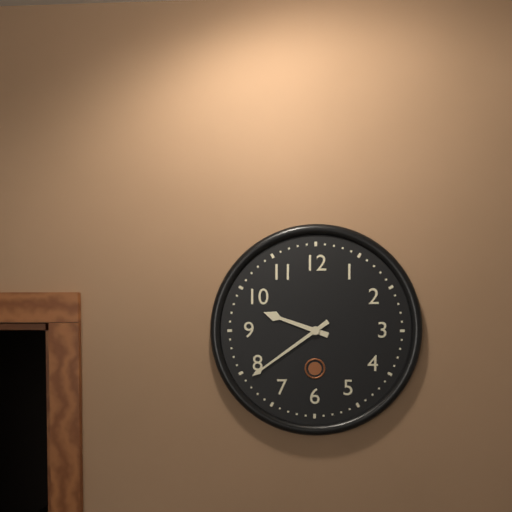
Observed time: 9:39
